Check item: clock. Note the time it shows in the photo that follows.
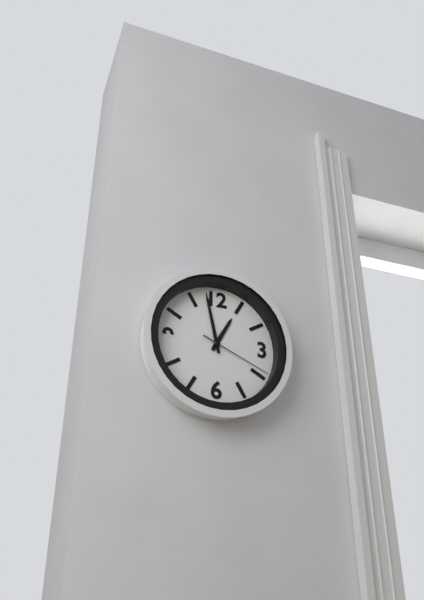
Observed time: 12:58:19
